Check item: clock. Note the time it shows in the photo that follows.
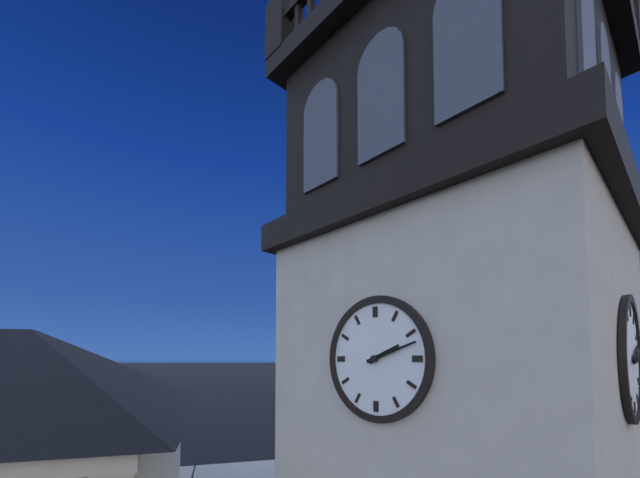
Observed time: 2:12
